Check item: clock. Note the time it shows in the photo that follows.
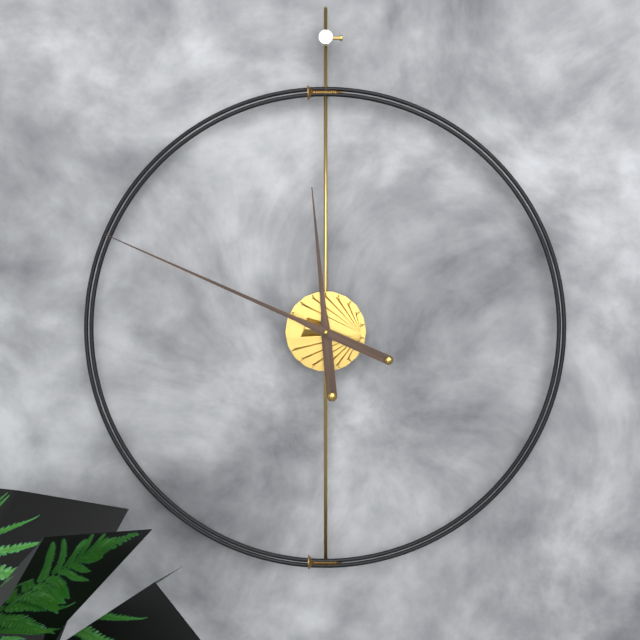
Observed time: 11:49
